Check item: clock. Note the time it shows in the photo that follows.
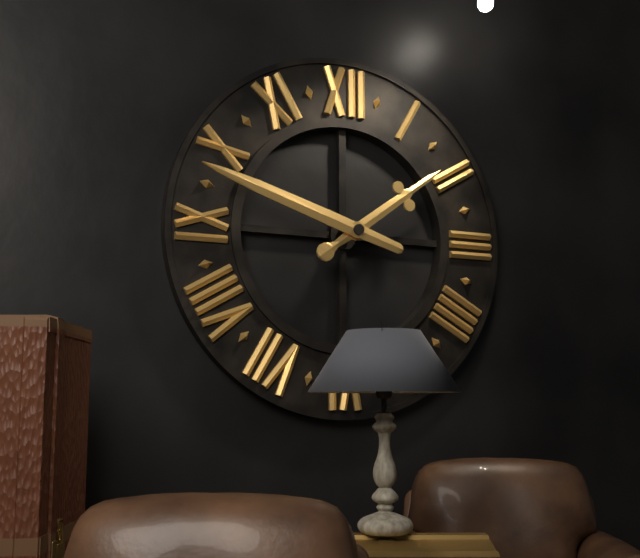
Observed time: 1:48
